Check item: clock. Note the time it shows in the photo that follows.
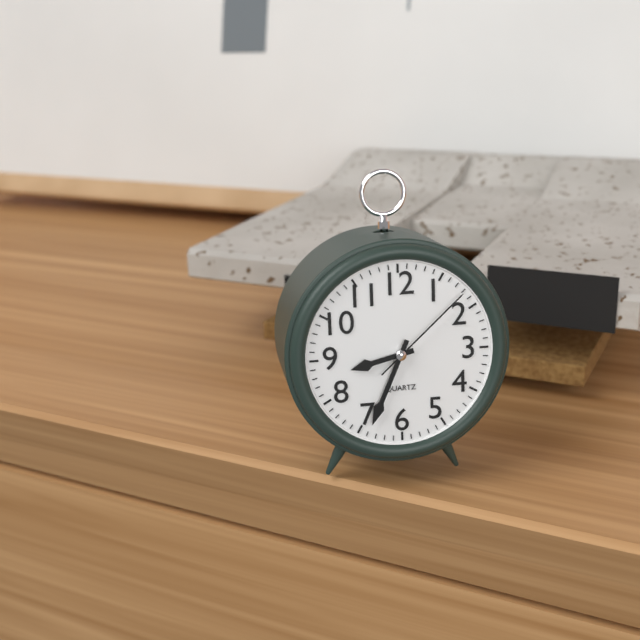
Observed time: 8:34:08
